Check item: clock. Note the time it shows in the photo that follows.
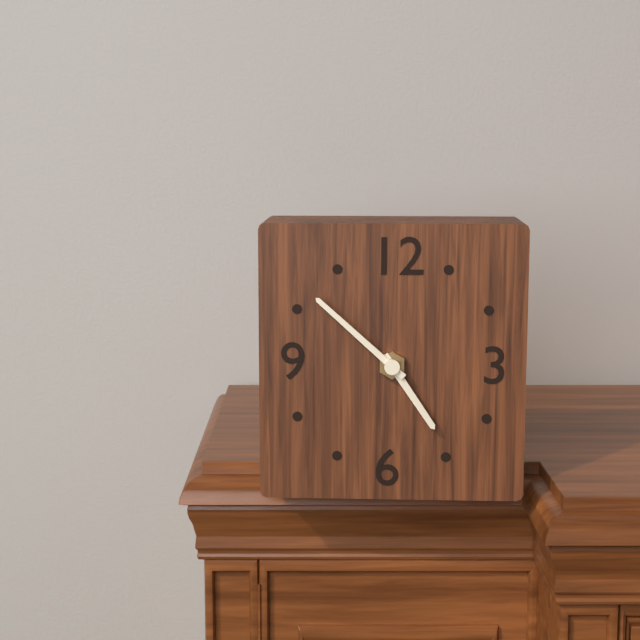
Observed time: 4:52
